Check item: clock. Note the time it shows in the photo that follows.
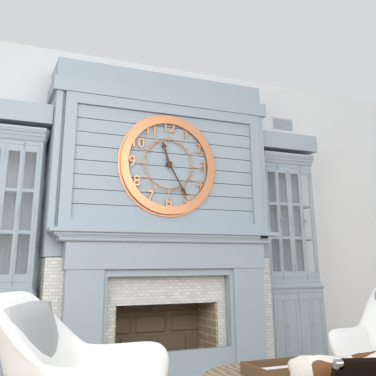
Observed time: 11:25
